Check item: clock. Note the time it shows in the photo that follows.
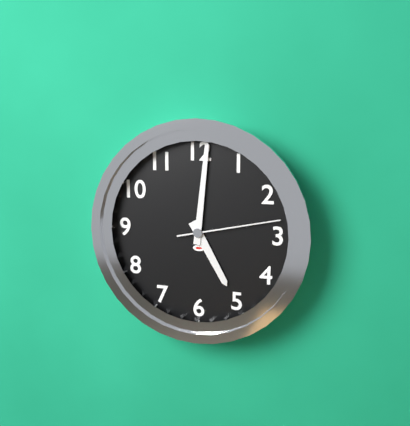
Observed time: 5:01:13
